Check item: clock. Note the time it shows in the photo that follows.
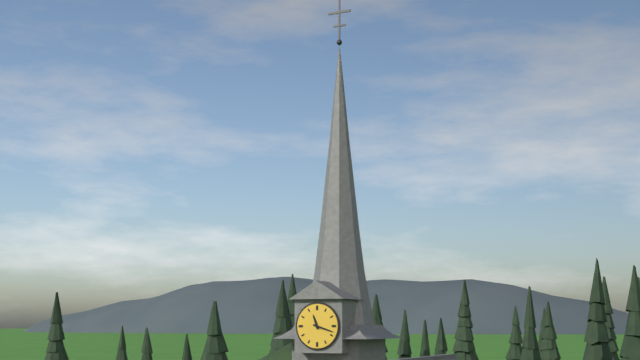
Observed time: 11:18
